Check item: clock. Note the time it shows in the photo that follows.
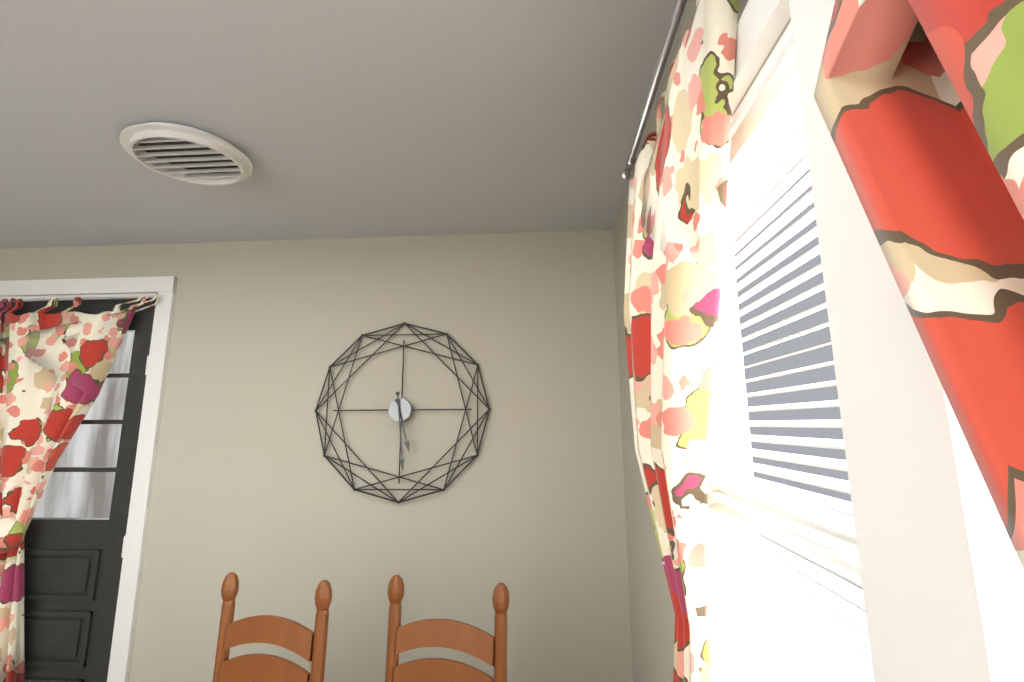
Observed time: 5:29
